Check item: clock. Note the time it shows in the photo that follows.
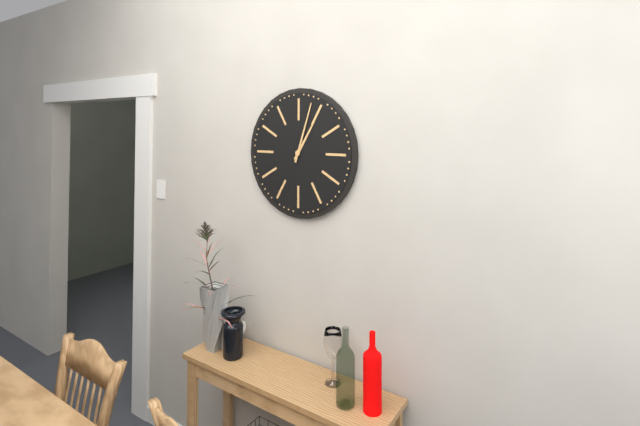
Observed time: 1:03
